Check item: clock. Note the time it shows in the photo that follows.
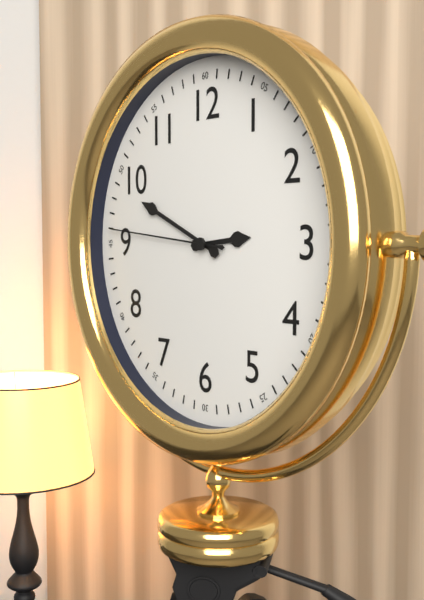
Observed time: 2:49:46
